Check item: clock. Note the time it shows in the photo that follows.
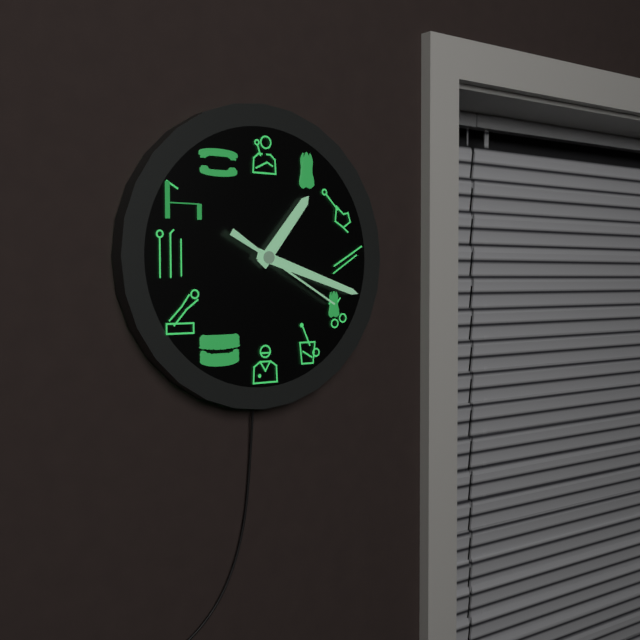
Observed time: 1:18:20
